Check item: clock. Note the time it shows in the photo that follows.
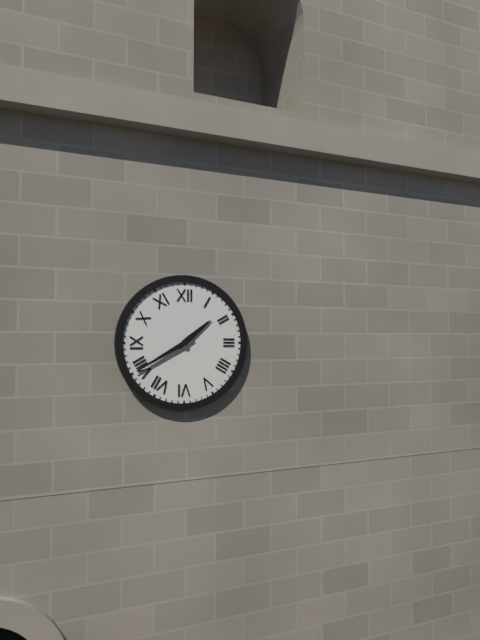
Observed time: 1:40
